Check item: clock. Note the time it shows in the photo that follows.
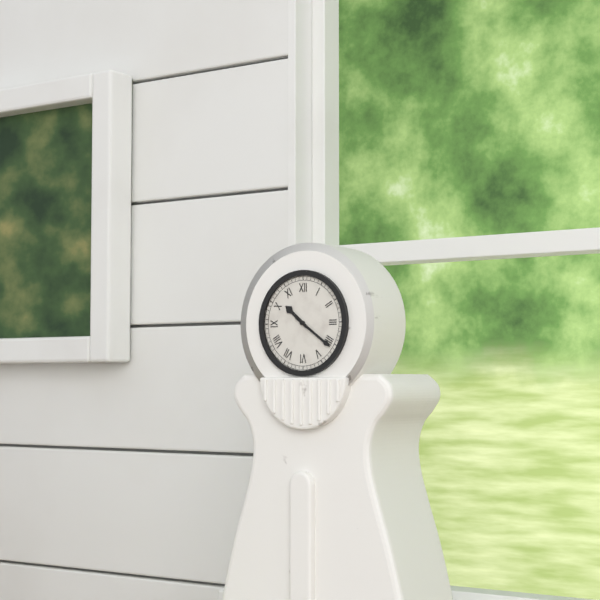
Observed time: 10:21
